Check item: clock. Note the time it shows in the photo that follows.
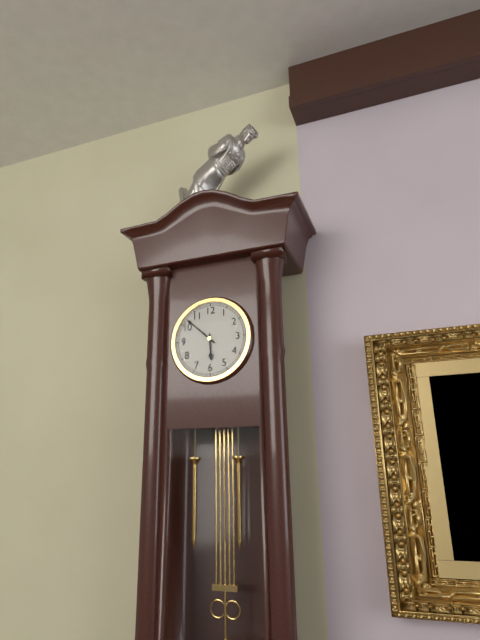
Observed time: 5:52
